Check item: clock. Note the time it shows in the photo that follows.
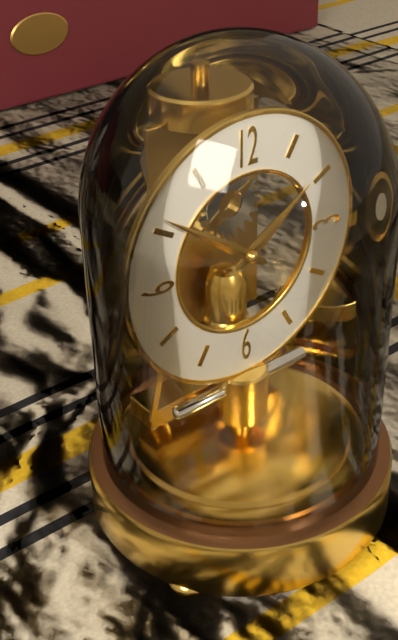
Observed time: 1:51
